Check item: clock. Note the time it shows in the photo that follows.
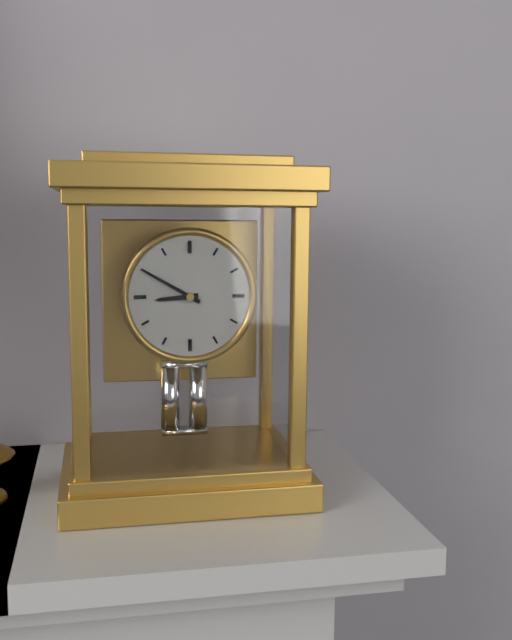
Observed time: 8:50
